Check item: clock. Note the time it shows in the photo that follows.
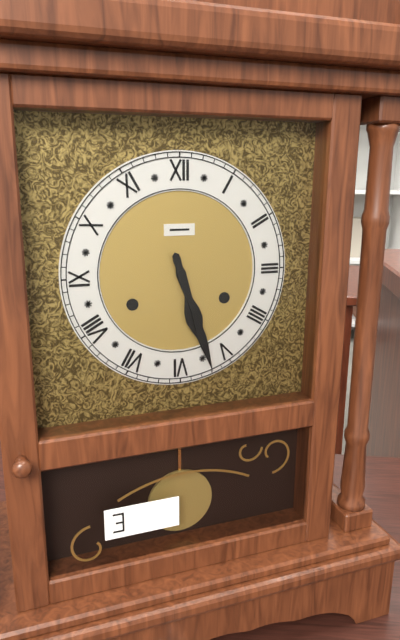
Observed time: 5:27
